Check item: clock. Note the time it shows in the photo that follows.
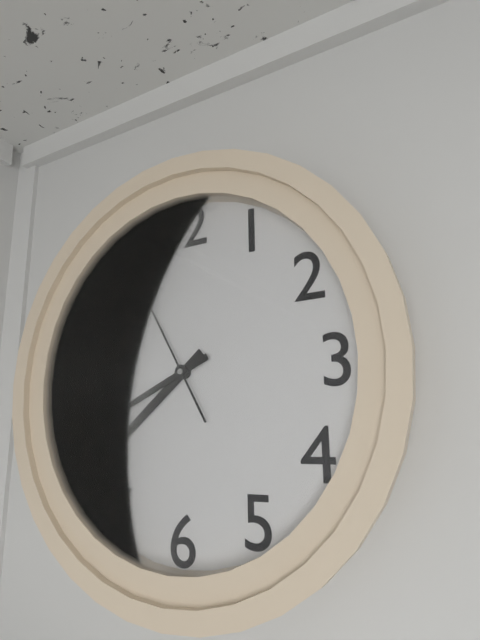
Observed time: 7:41:55
